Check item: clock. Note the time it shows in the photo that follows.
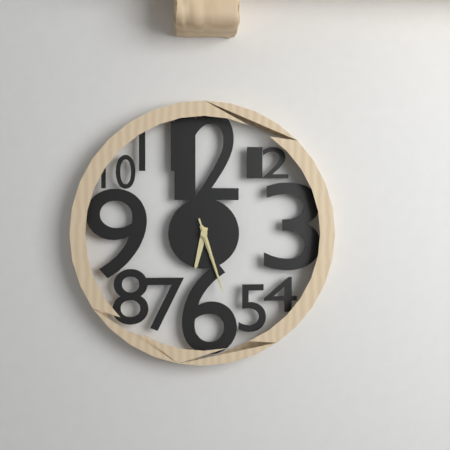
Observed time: 6:27:27
